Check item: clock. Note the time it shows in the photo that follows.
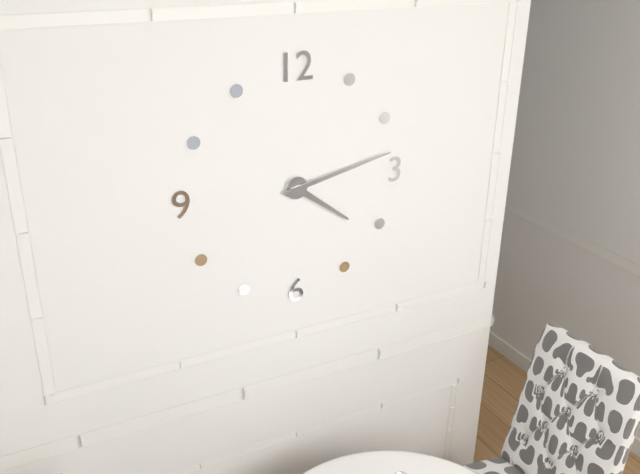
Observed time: 4:13
